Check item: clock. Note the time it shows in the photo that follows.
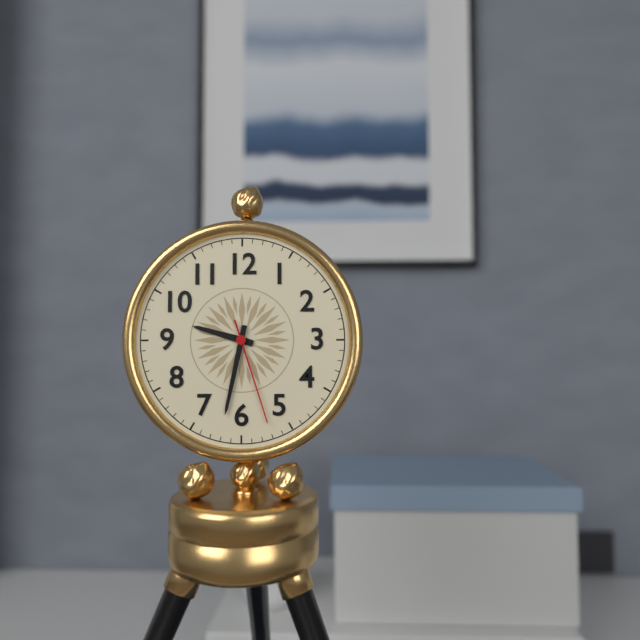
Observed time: 9:32:27
